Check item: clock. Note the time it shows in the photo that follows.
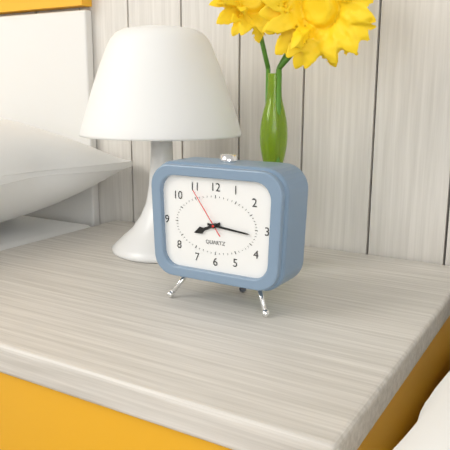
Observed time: 8:16:54
